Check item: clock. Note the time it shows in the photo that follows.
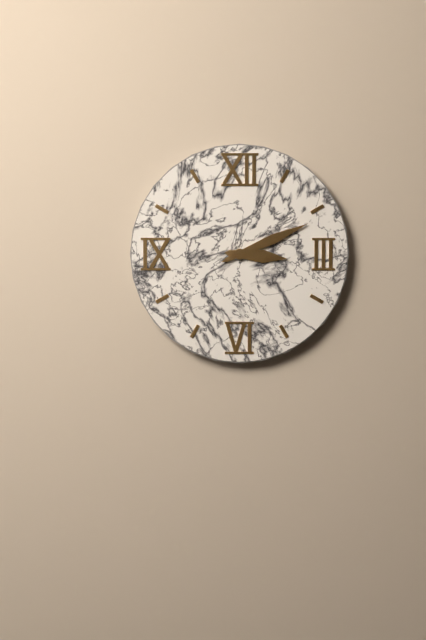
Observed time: 3:11
